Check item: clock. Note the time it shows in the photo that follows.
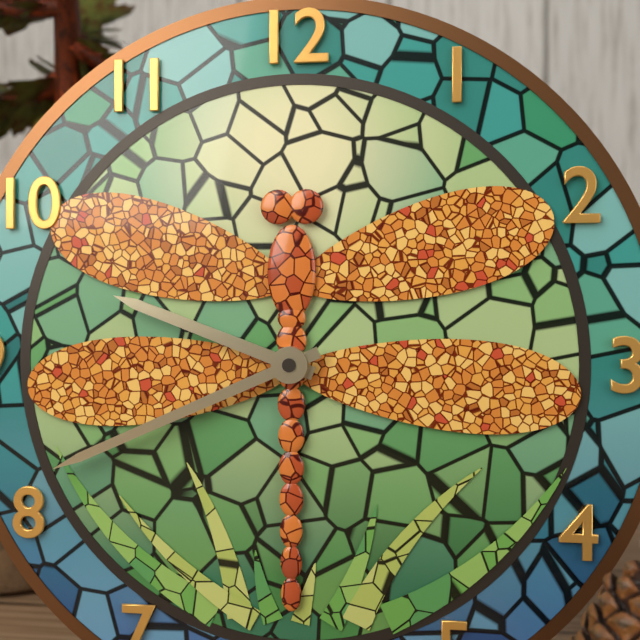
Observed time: 9:41
